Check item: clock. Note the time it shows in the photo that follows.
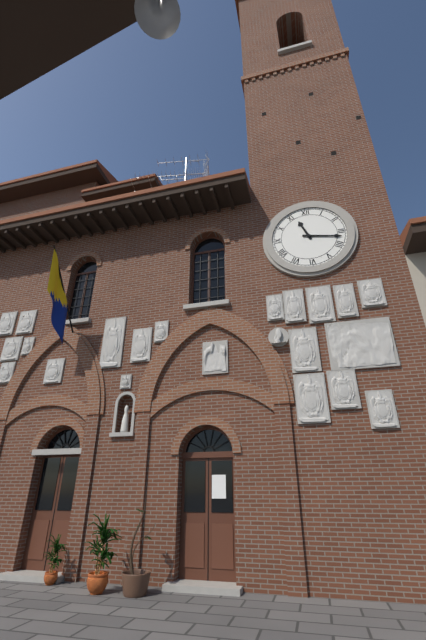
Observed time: 11:17
